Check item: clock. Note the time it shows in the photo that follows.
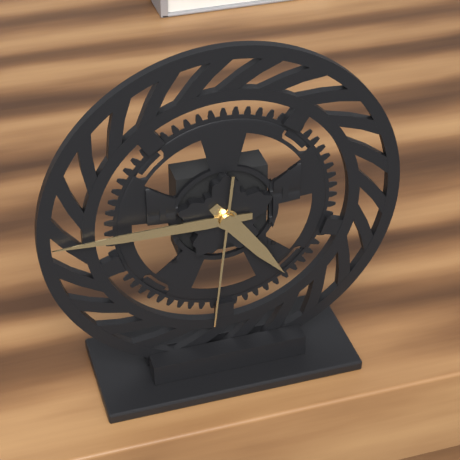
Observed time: 4:45:31
